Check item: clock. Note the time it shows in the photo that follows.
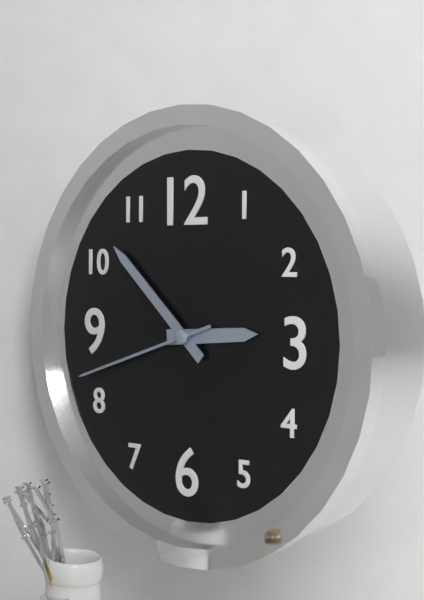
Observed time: 2:52:42
